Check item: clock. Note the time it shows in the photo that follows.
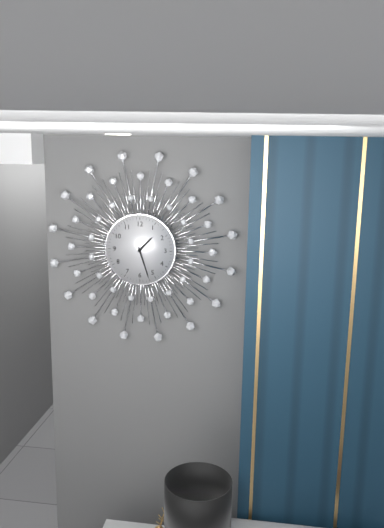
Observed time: 1:27
